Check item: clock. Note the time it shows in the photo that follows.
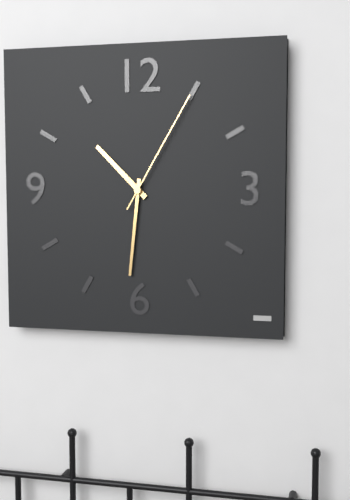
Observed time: 10:31:05
